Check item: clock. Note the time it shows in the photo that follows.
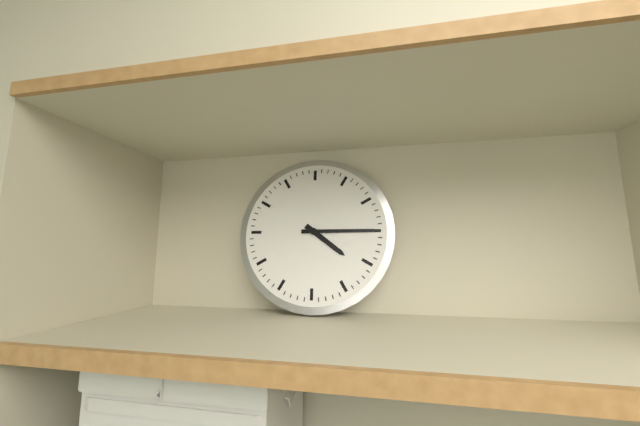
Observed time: 4:15
